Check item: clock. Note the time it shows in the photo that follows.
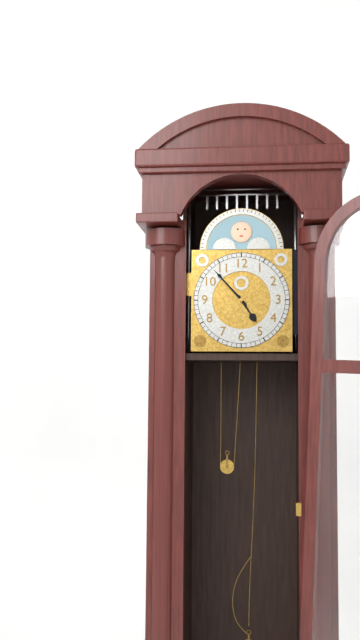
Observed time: 4:53
